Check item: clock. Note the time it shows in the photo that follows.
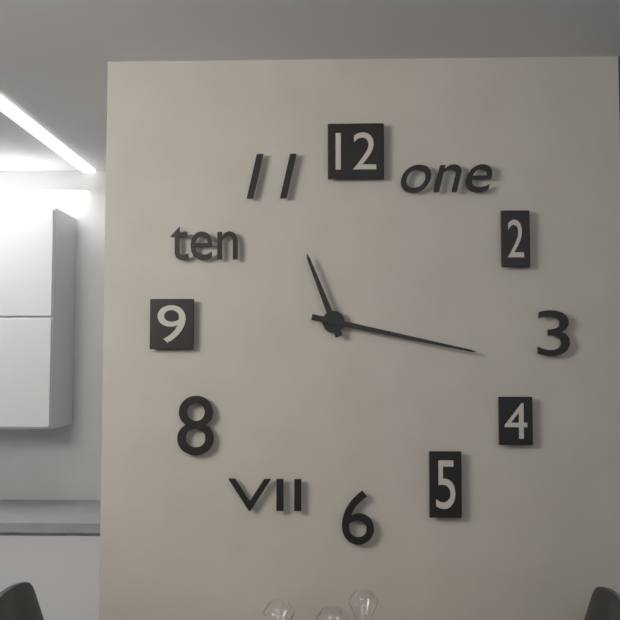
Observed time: 11:17
